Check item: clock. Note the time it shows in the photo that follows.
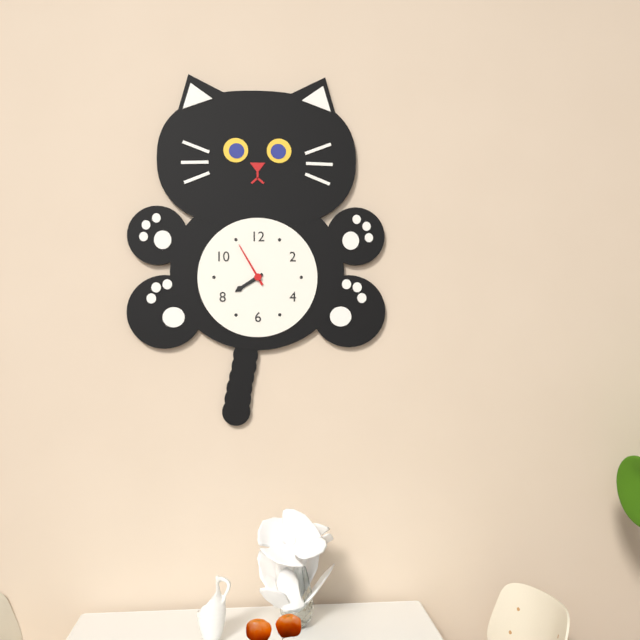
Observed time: 7:55
